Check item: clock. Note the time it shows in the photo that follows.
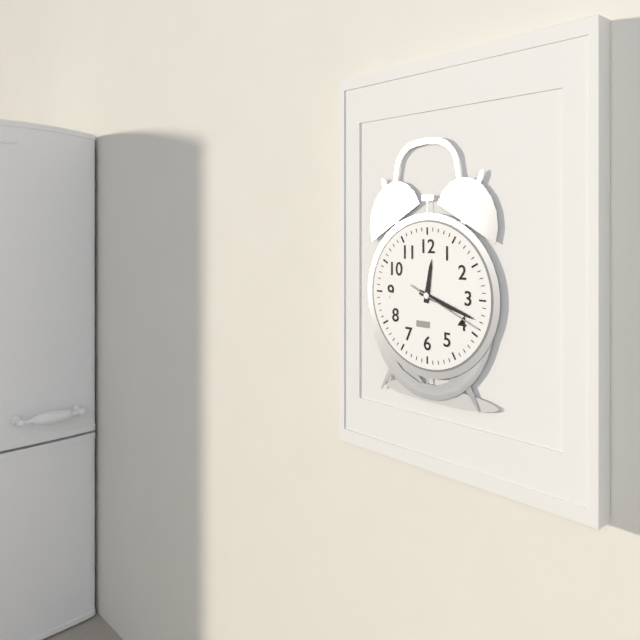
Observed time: 12:18:19
